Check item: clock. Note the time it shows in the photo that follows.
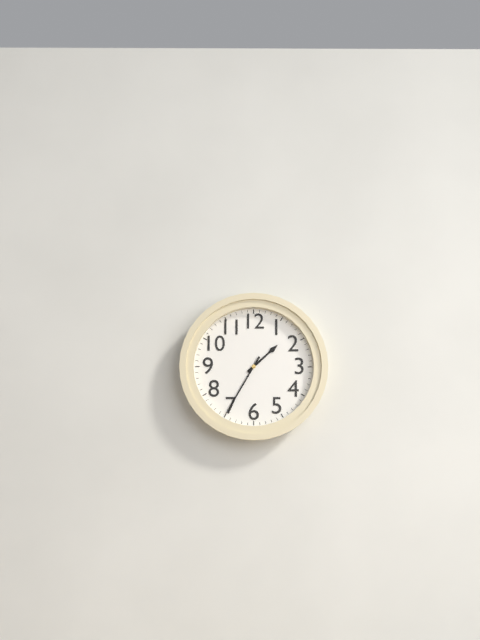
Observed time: 1:35
